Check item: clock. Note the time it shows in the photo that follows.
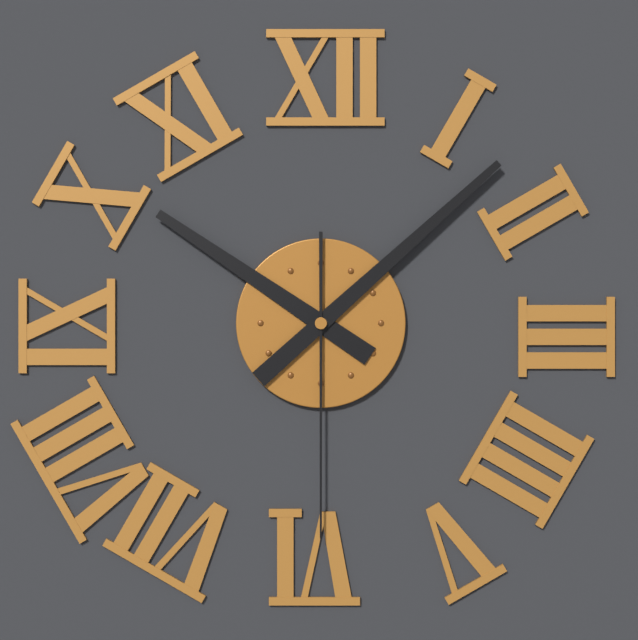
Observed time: 10:08:30
